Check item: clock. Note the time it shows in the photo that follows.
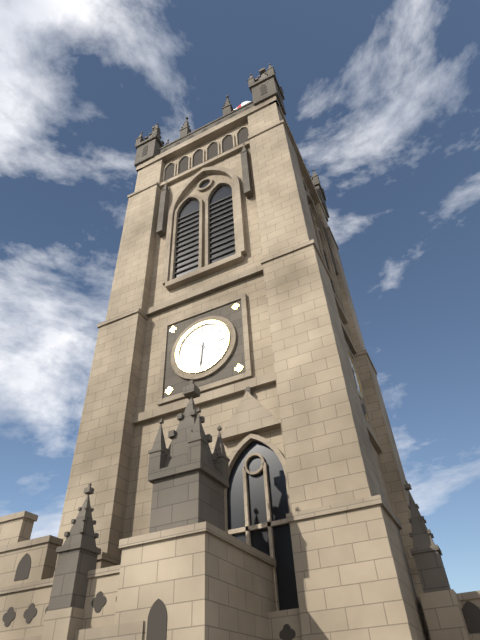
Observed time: 10:31
